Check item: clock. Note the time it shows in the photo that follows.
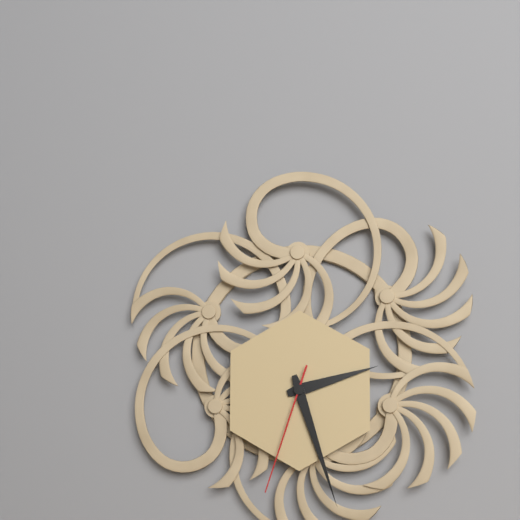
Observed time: 2:27:33
